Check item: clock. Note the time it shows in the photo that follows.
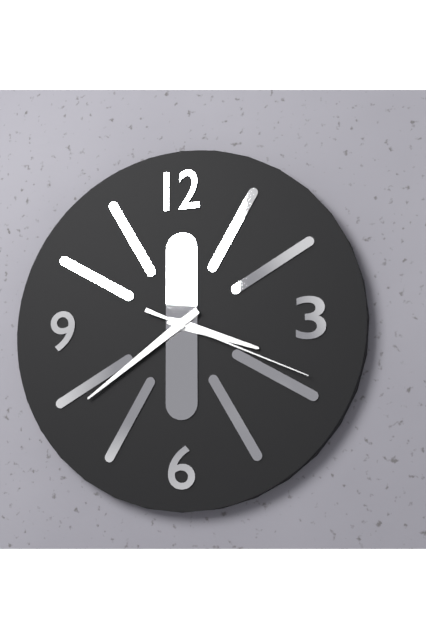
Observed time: 3:39:19
